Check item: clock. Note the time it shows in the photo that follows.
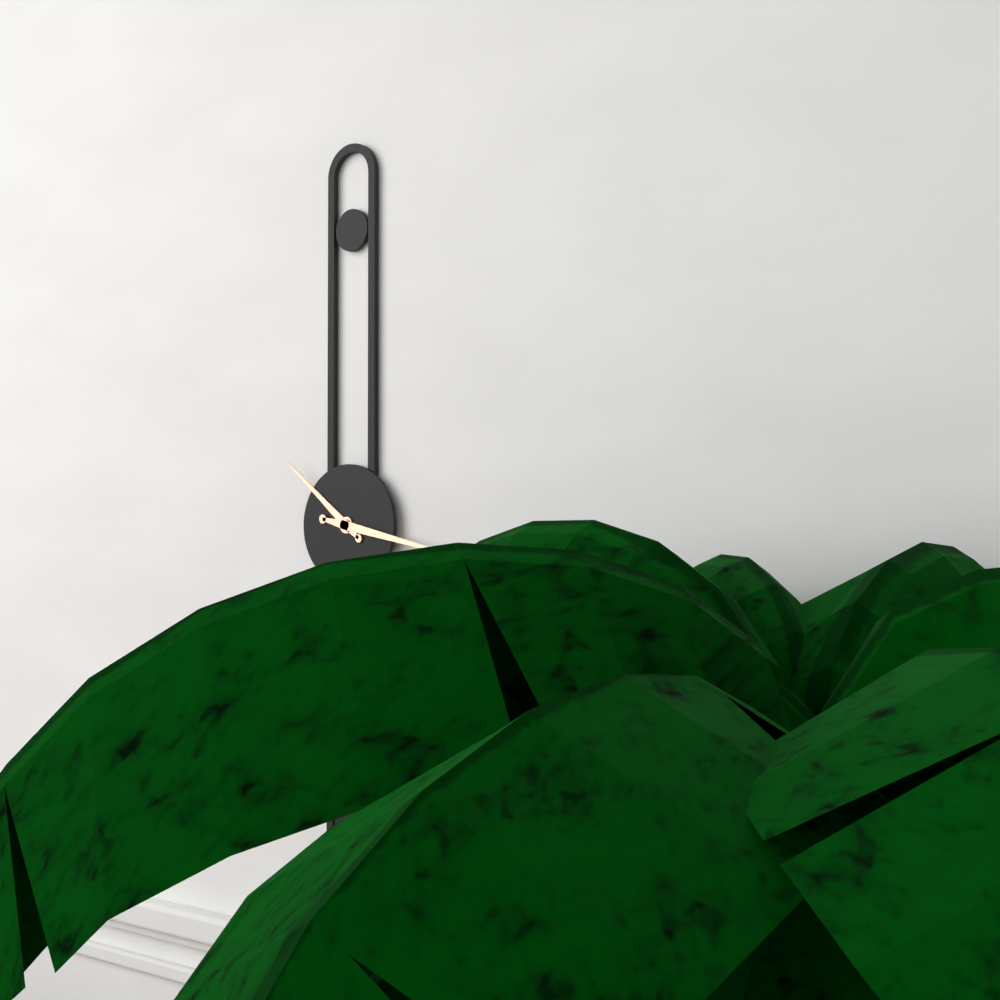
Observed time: 10:17
